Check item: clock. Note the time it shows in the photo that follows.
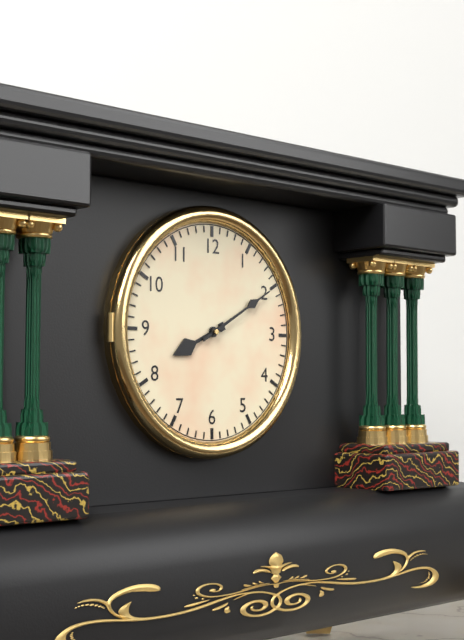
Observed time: 8:10
